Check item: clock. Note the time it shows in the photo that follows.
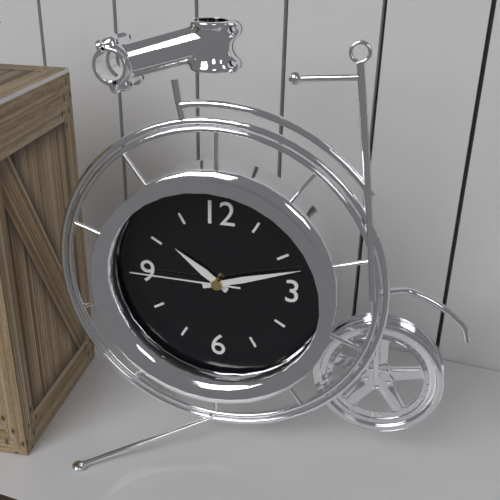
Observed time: 10:12:45
